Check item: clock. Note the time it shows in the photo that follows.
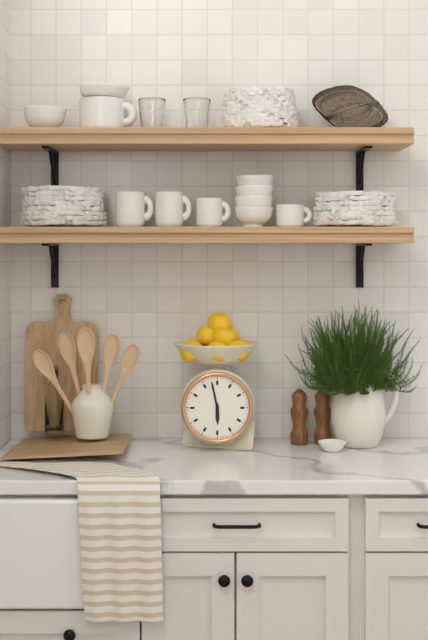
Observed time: 5:58
